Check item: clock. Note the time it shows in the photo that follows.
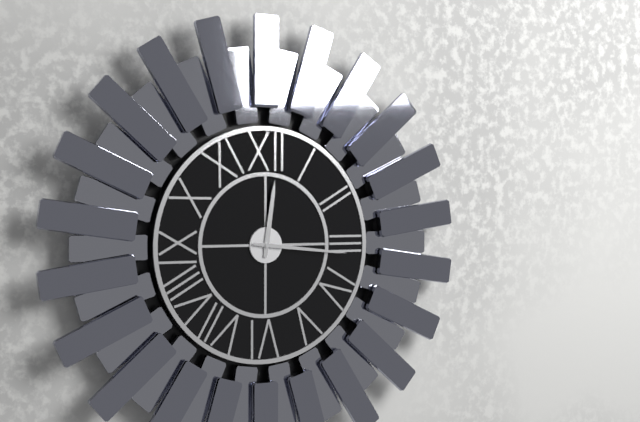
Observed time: 12:16
